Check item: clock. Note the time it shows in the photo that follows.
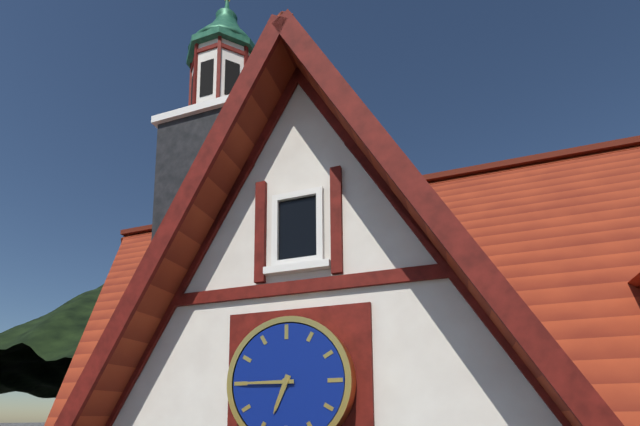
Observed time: 6:45
